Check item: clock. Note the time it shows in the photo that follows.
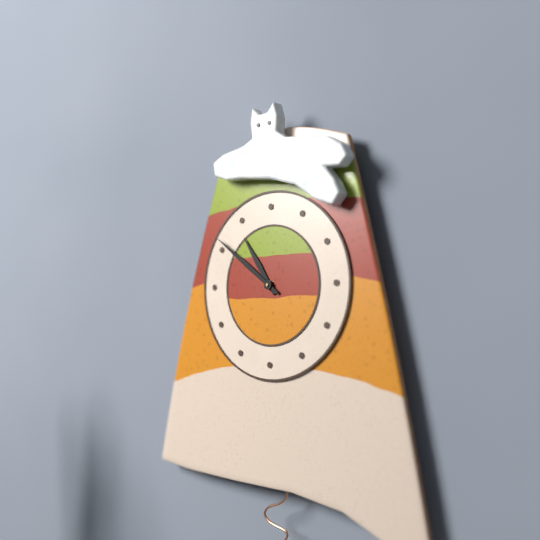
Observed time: 10:51
